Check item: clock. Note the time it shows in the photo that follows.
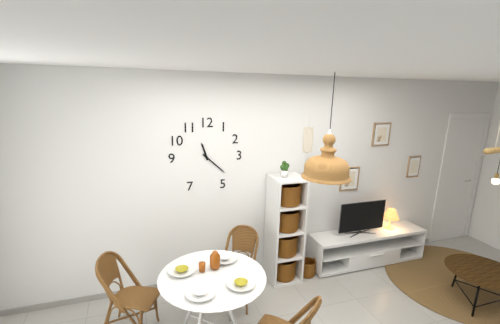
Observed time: 11:22
